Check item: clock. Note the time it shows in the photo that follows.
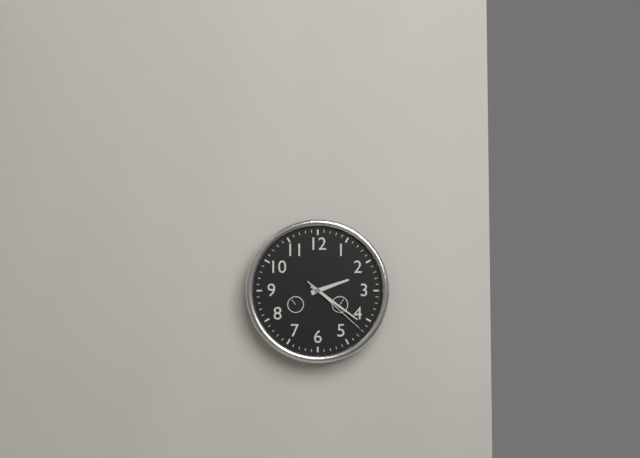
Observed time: 2:21:22
